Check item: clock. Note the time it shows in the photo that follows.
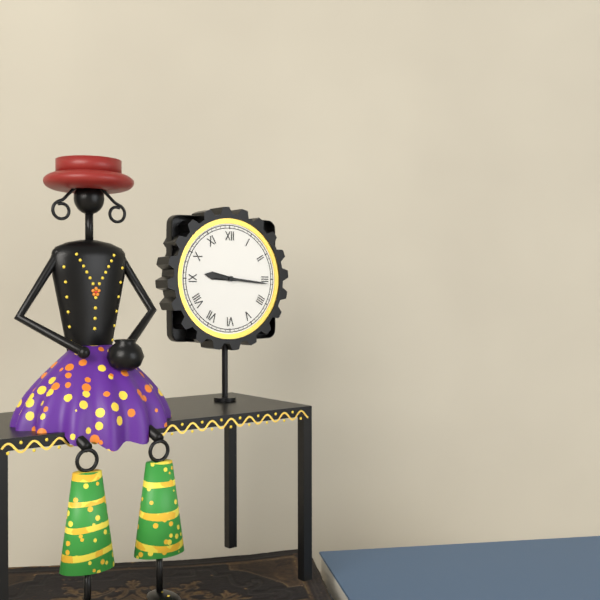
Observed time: 9:16
